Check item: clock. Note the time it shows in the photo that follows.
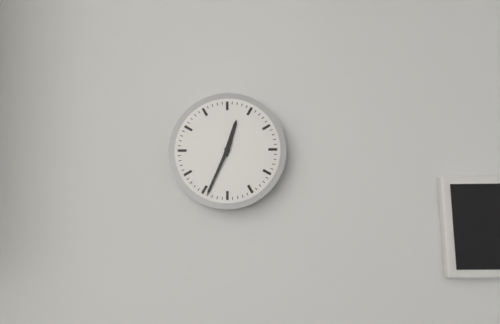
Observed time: 12:34
